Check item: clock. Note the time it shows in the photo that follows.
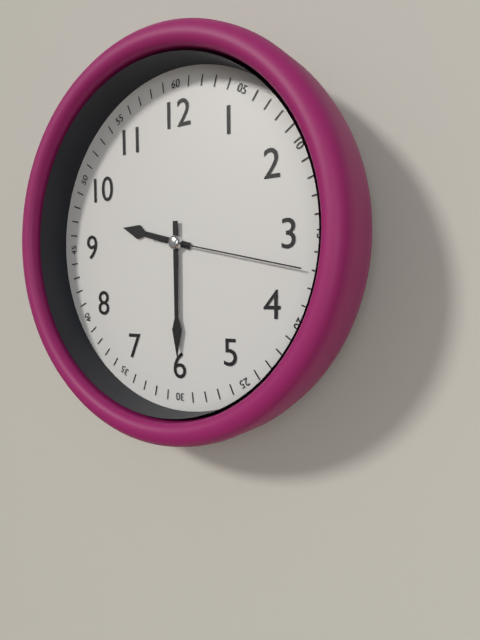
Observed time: 9:30:17
